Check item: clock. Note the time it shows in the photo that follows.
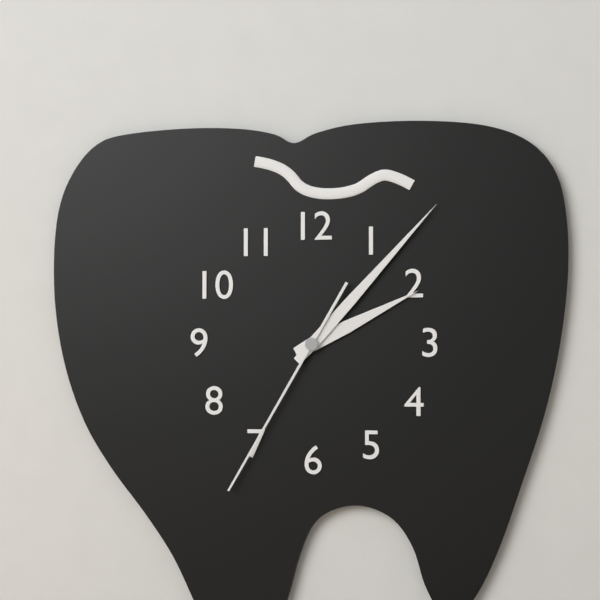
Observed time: 2:07:35
